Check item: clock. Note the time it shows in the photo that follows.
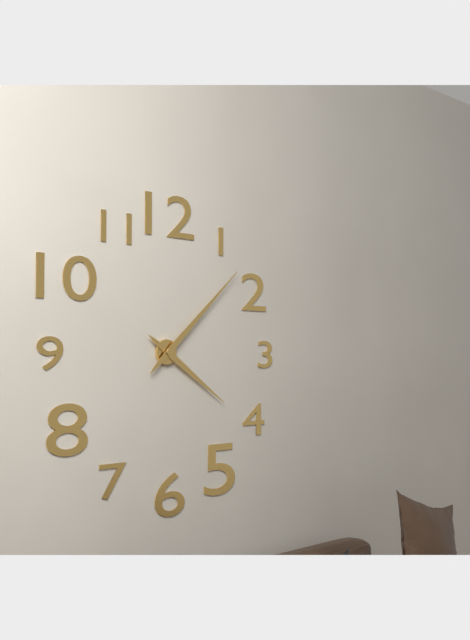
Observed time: 4:08
